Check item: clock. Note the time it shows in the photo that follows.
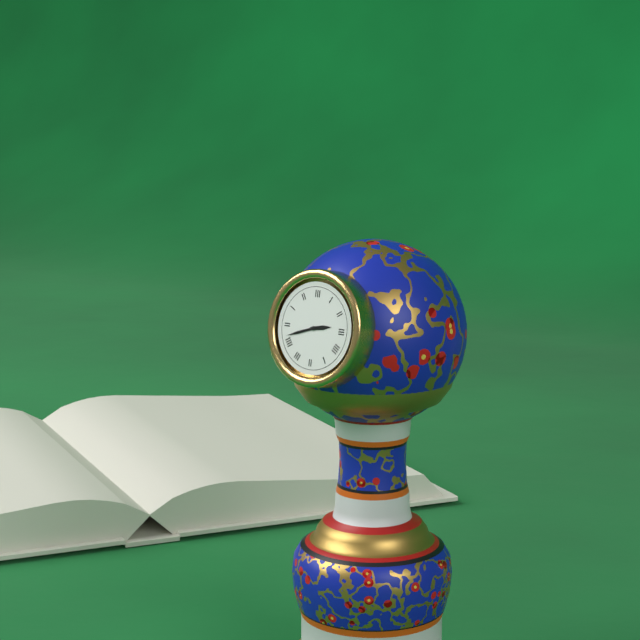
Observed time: 2:42
